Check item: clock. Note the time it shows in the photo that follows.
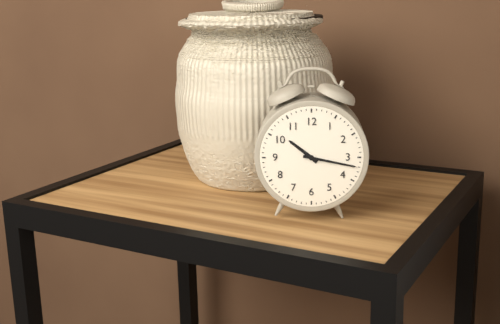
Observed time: 10:17
